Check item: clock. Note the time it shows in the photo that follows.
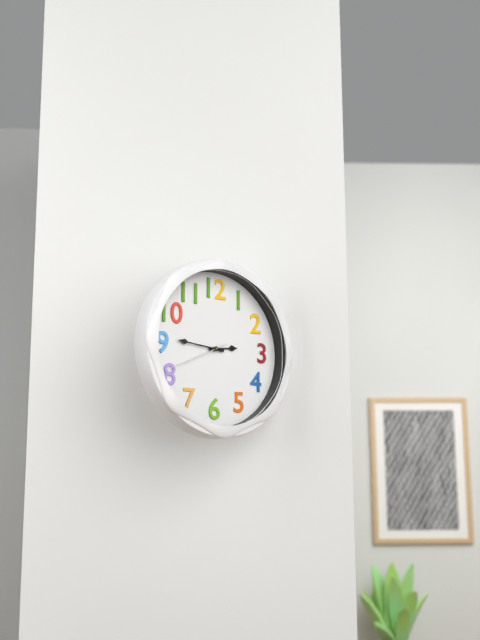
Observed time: 2:46:41
